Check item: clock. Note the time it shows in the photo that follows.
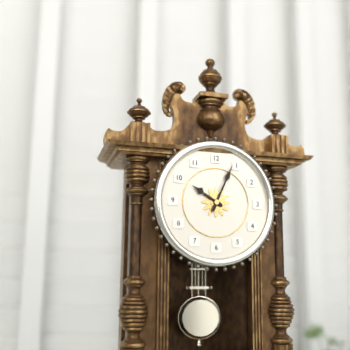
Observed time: 10:04
